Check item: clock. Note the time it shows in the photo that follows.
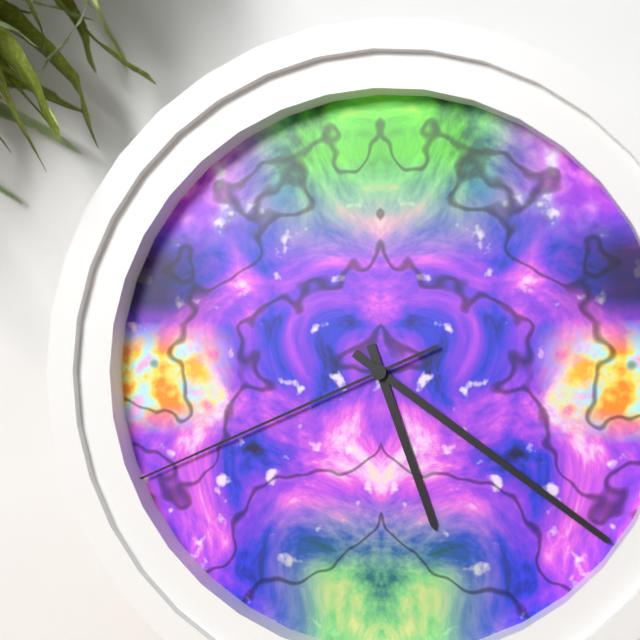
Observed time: 5:21:41
